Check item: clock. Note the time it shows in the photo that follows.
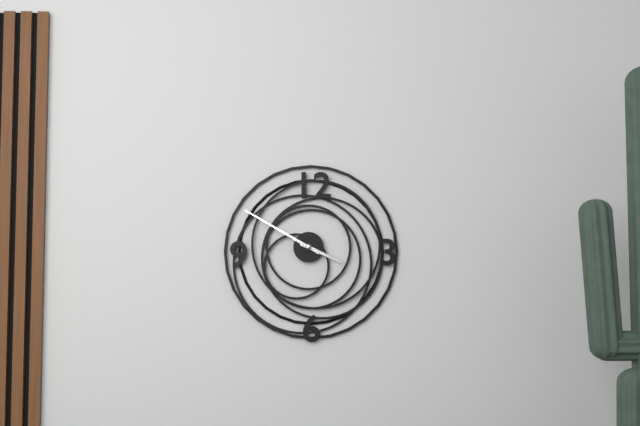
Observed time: 3:50
